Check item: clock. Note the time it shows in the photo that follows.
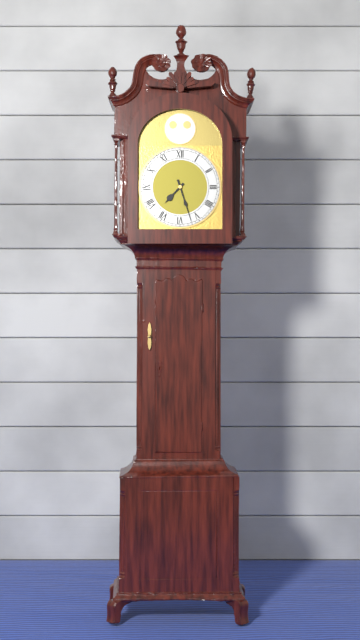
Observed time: 7:27
